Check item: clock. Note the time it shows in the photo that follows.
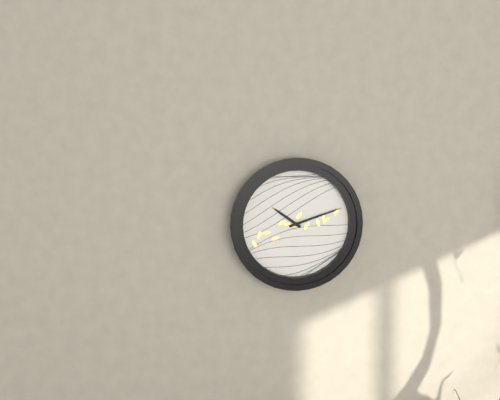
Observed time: 10:12
